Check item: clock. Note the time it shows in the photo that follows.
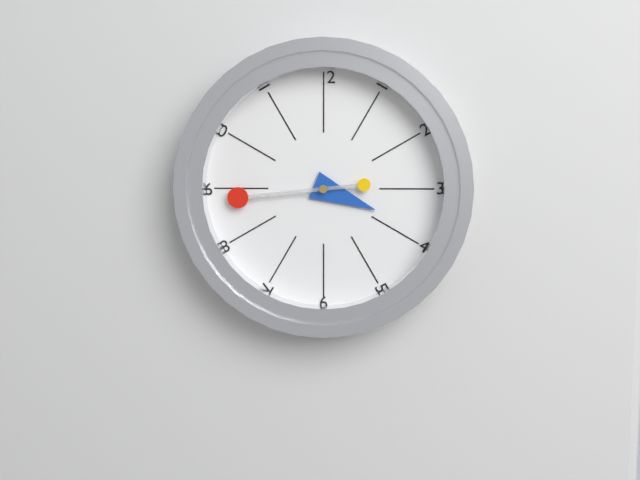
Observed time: 3:44
